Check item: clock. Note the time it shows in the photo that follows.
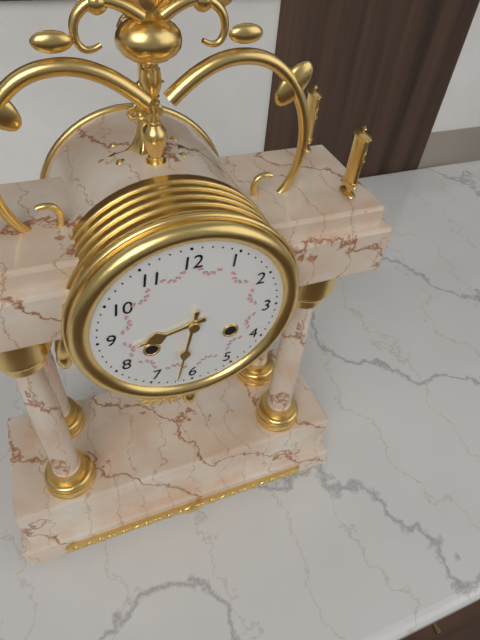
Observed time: 8:32
